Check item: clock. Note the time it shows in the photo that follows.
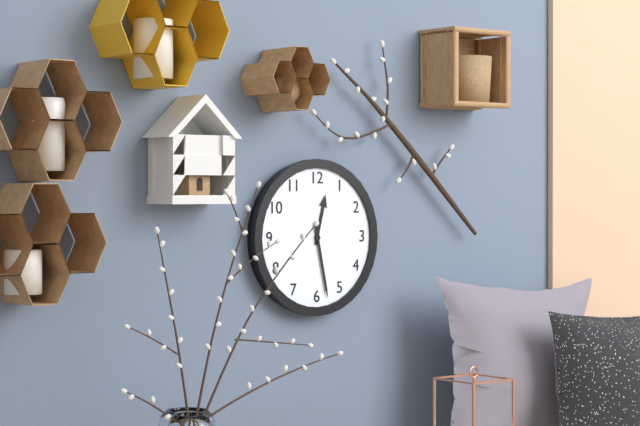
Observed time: 12:28
